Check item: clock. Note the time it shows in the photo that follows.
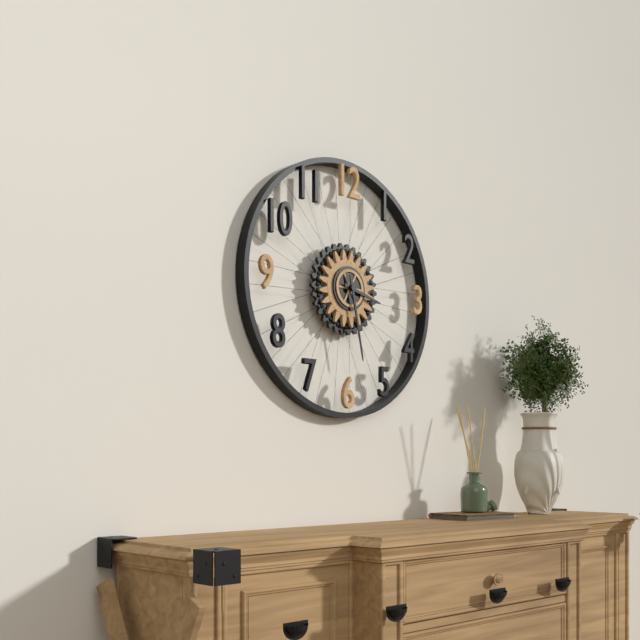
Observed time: 3:28
